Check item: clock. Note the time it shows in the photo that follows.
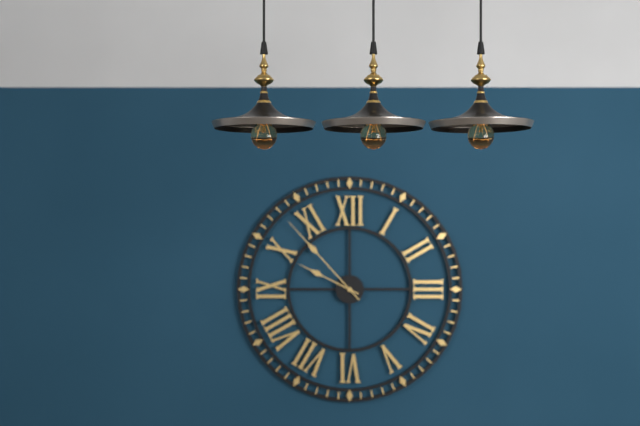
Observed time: 9:53
